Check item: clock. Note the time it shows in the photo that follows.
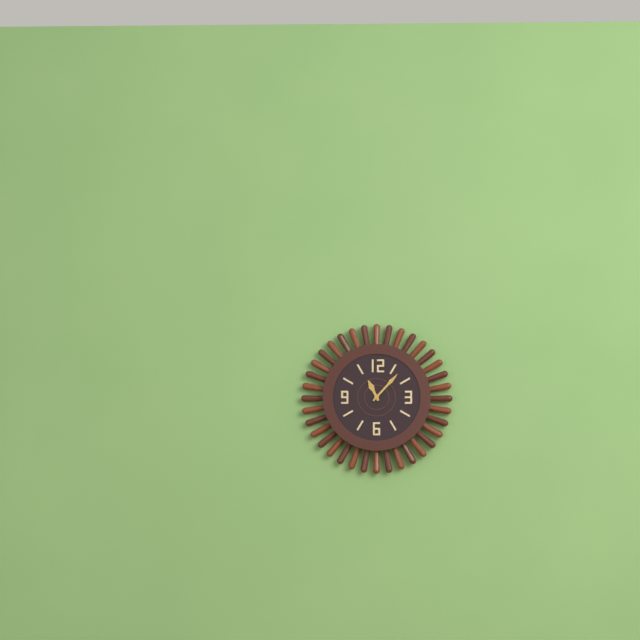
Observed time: 11:07
